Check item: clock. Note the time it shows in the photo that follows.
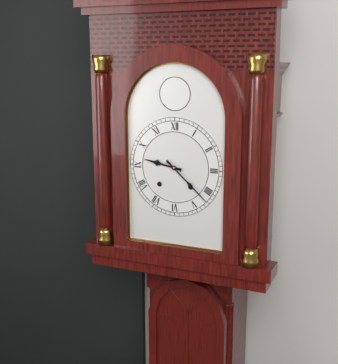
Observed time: 9:22
